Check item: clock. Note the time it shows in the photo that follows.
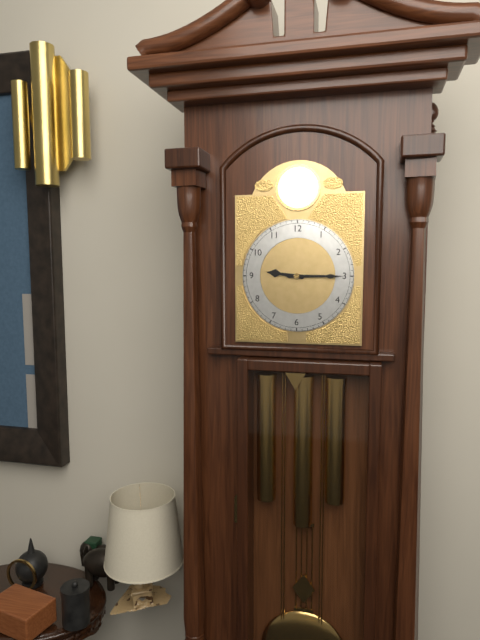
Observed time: 9:15
